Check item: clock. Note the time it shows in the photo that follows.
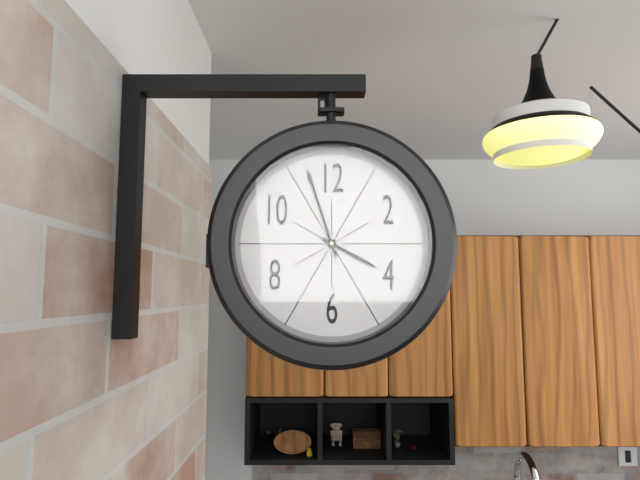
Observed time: 3:57
